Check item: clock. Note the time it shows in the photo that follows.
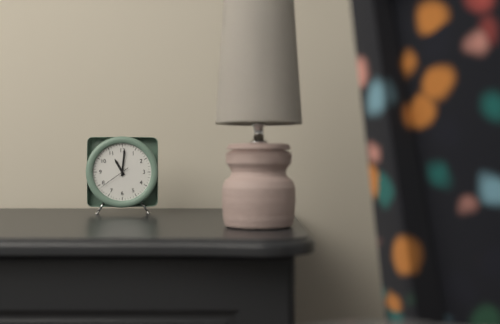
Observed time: 11:01
